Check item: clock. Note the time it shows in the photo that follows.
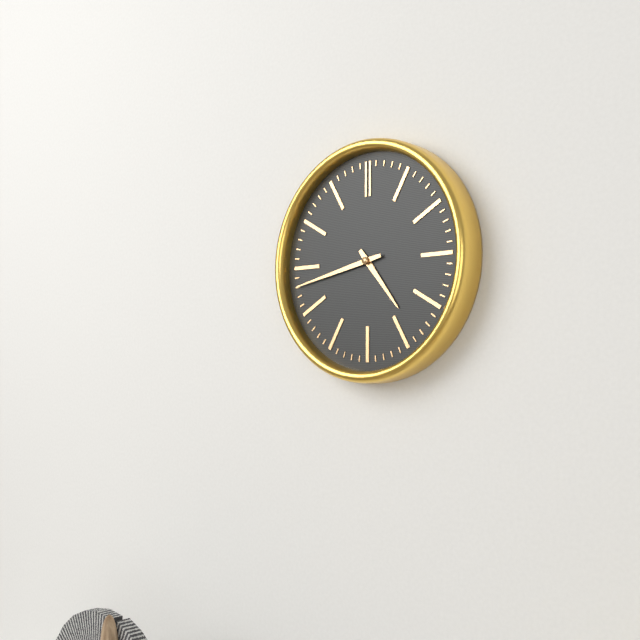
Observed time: 4:43
